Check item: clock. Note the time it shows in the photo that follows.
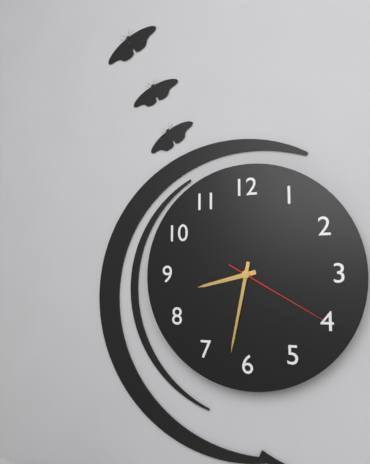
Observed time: 8:32:20
